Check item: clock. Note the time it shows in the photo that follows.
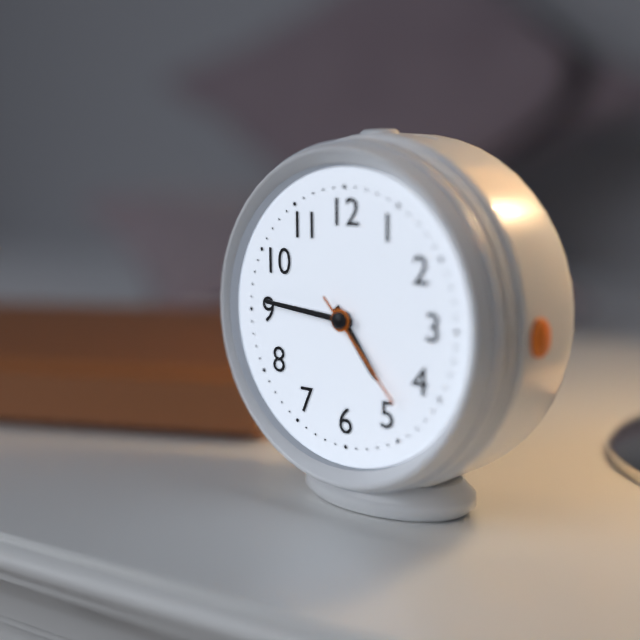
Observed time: 4:46:23
